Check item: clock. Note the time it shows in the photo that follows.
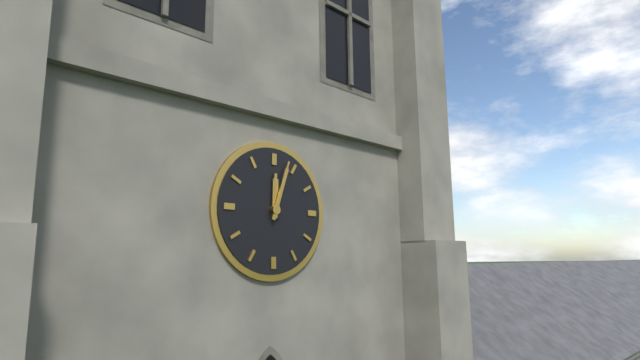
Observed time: 12:03
